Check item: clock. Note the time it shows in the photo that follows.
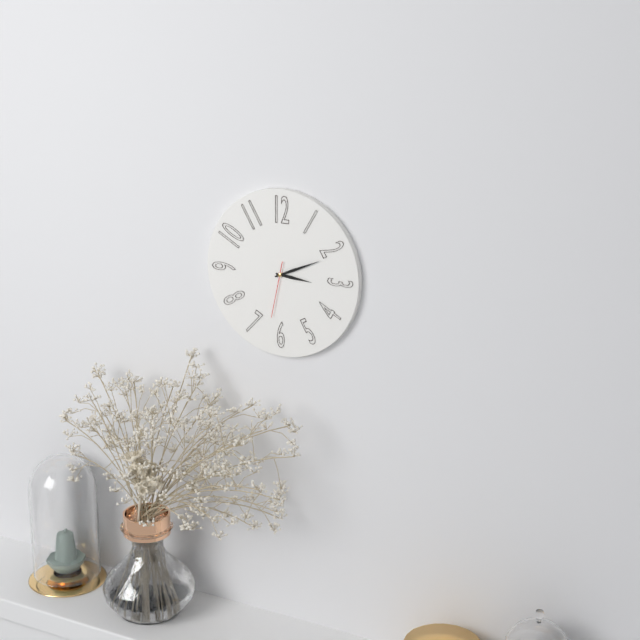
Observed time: 3:11:32
